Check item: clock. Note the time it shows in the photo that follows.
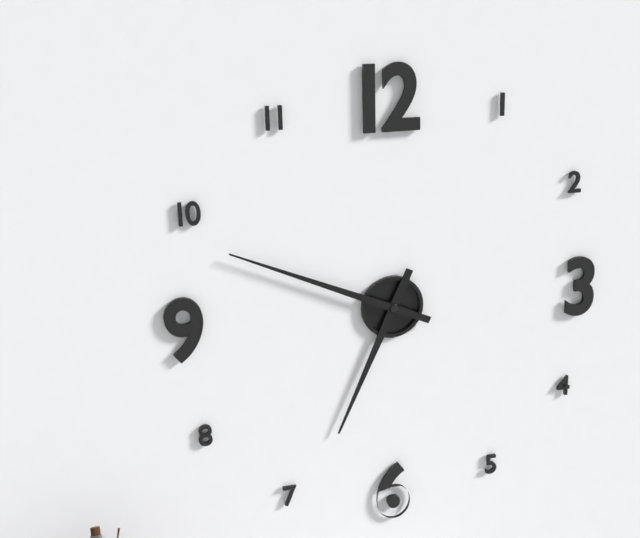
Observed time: 6:49
